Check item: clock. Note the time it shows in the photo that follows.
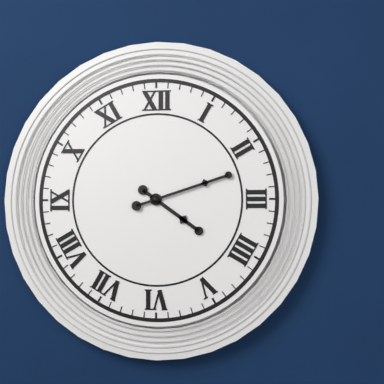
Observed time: 4:12
